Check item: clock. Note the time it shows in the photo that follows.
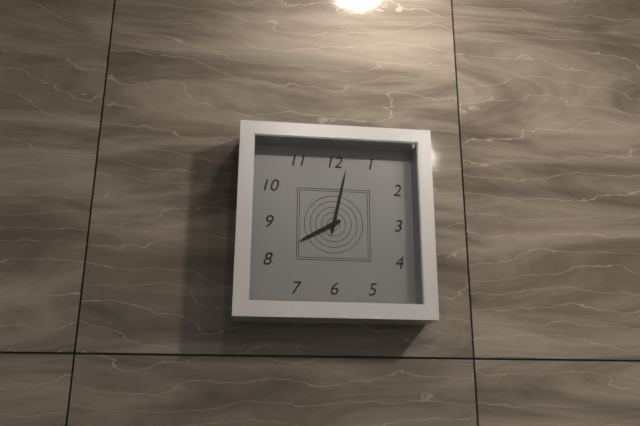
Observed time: 8:02
